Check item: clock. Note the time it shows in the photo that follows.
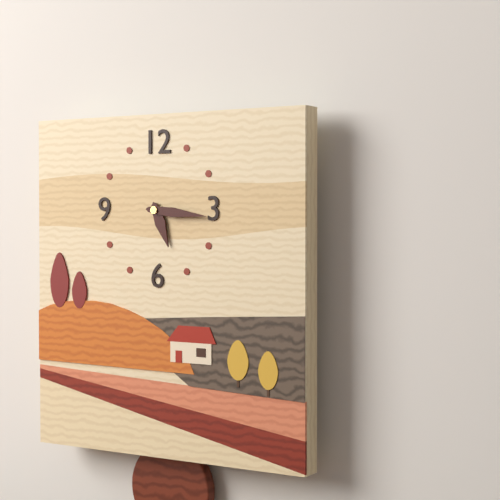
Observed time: 5:16
